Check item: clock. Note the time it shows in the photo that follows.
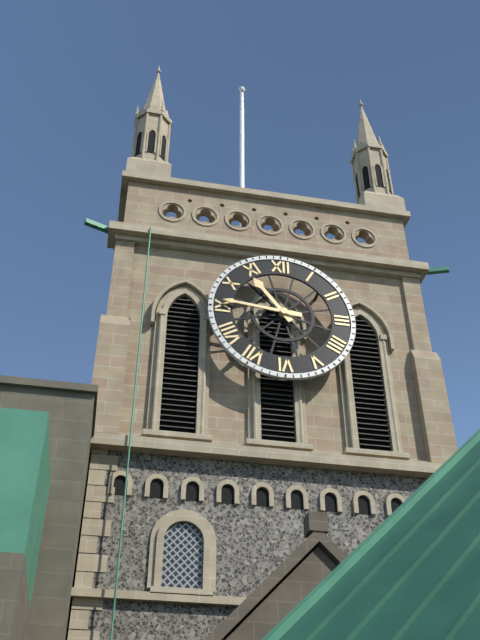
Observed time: 10:46
